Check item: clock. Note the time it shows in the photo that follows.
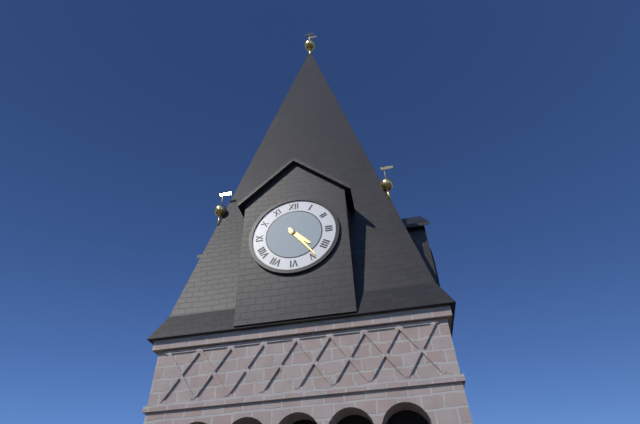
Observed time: 4:24
